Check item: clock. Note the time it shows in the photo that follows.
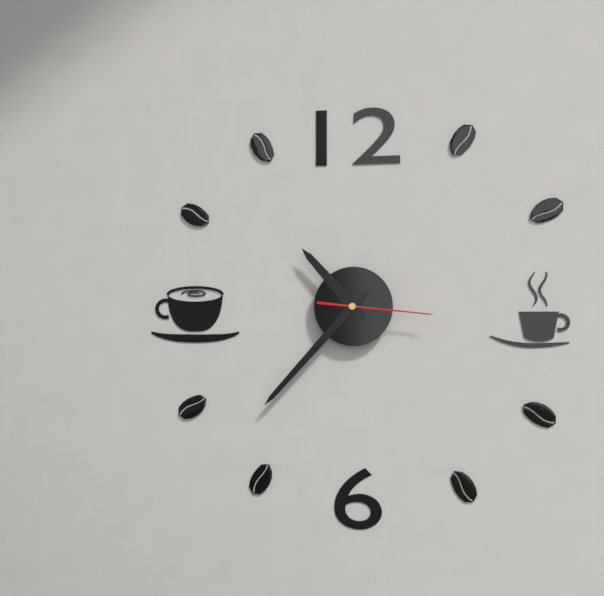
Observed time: 10:37:16
